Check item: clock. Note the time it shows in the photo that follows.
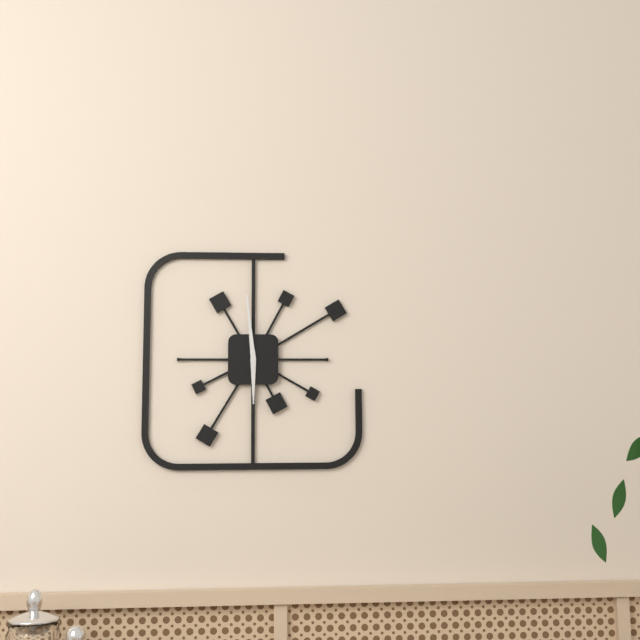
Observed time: 5:59
